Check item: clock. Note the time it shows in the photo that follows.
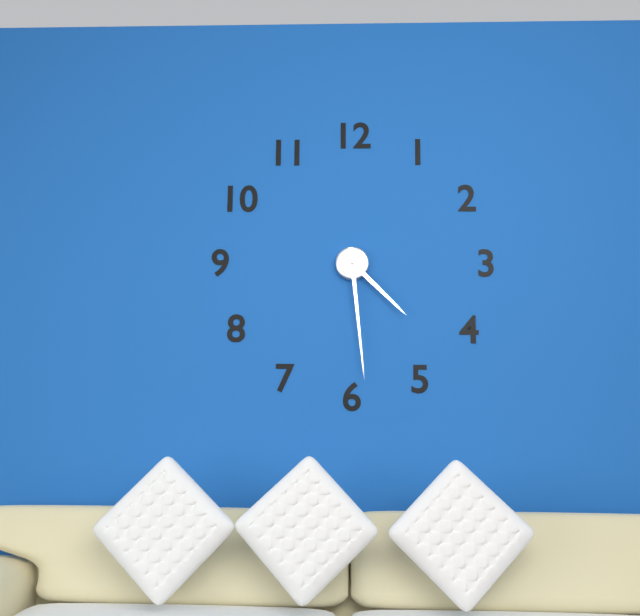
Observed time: 4:29
